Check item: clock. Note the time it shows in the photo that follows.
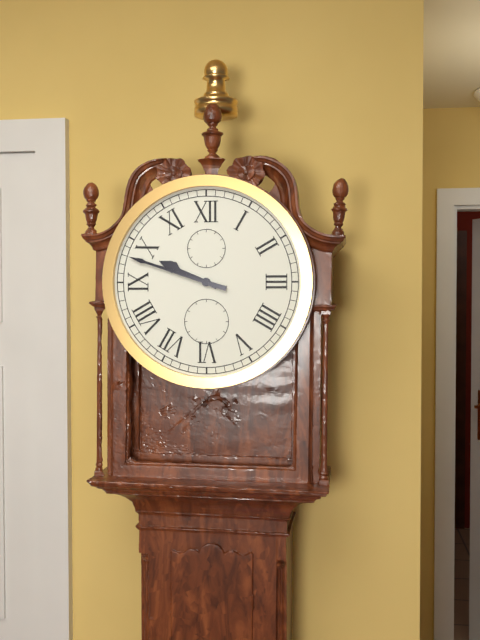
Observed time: 9:48
